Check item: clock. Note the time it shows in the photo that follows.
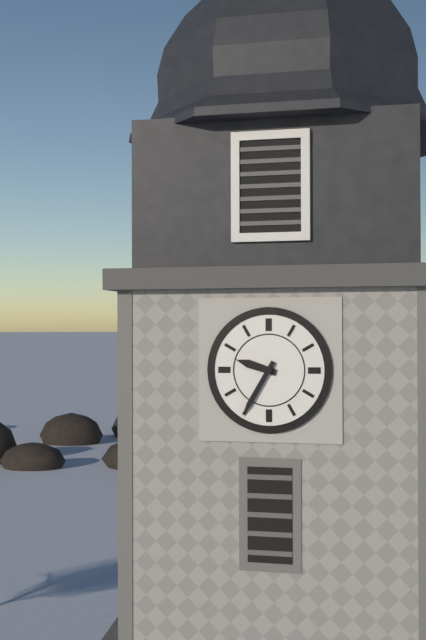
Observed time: 9:35
